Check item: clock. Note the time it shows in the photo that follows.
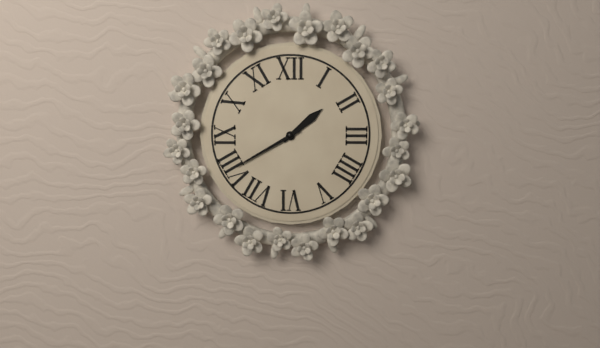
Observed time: 1:40
